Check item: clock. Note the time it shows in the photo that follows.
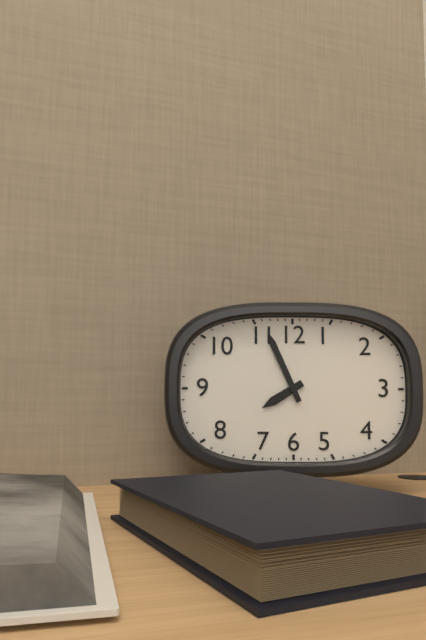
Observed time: 7:56
